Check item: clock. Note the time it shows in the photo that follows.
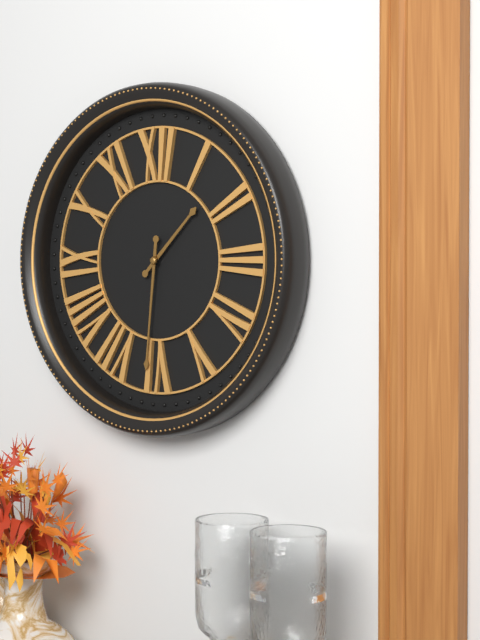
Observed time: 1:31
